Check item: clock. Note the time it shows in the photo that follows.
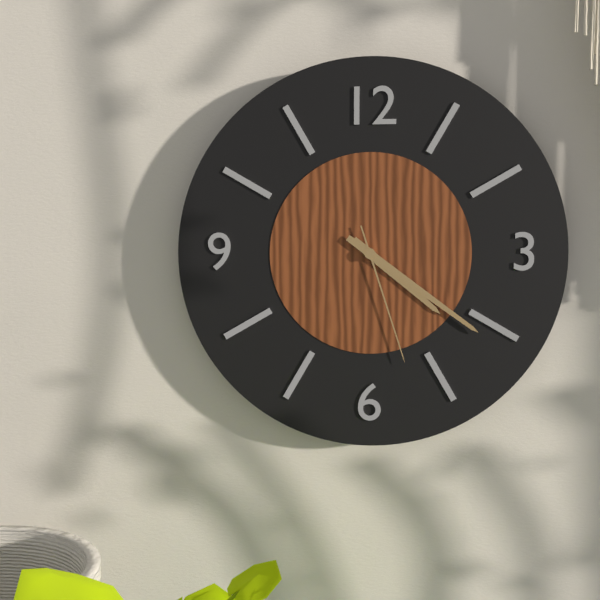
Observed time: 4:21:27
